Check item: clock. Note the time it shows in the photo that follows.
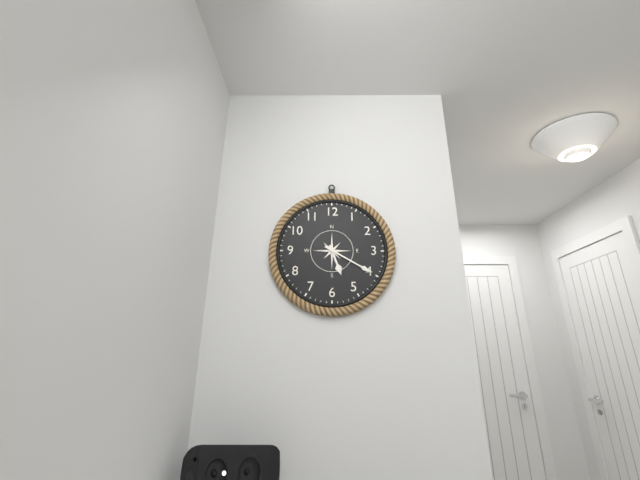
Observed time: 5:20
